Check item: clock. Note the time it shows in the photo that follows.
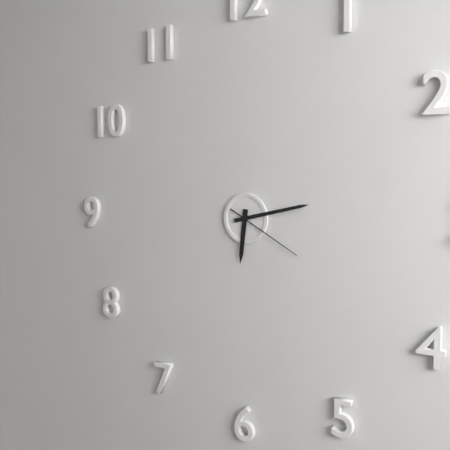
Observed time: 6:13:20
